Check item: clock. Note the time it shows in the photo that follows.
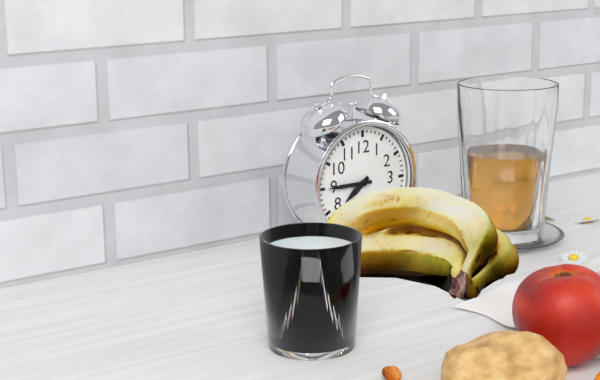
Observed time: 7:45
